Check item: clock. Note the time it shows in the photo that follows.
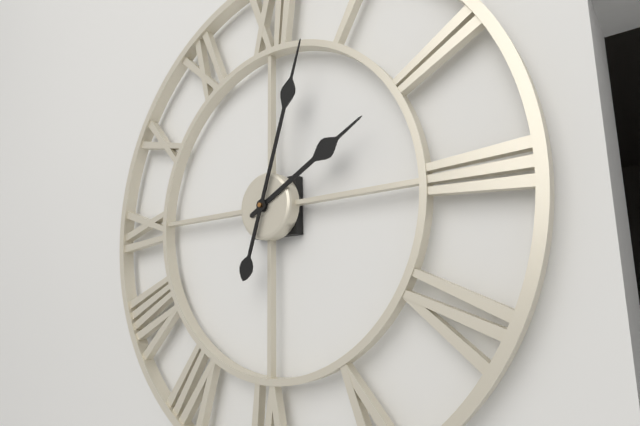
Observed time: 2:03
